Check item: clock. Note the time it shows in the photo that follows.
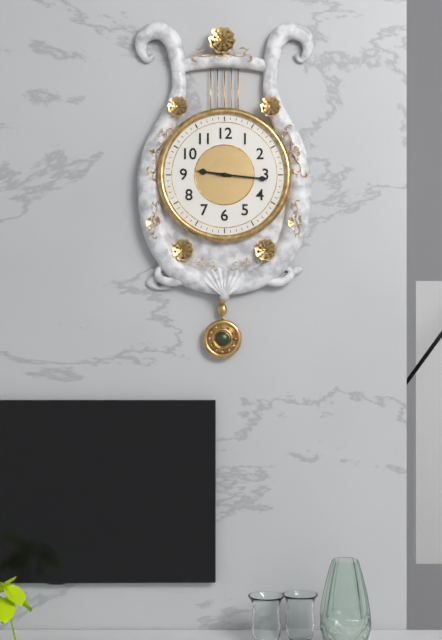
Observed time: 9:16
